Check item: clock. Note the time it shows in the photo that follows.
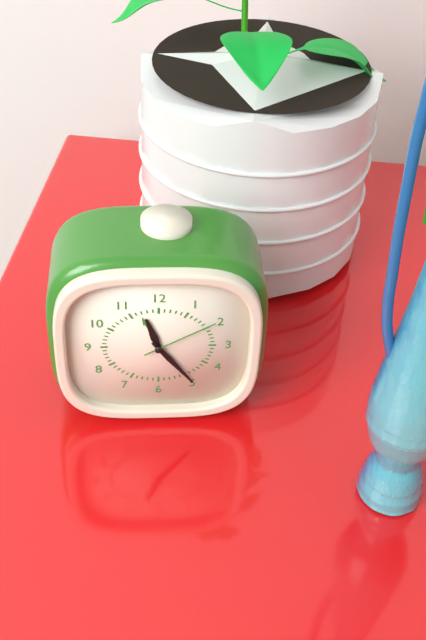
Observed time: 11:24:10
